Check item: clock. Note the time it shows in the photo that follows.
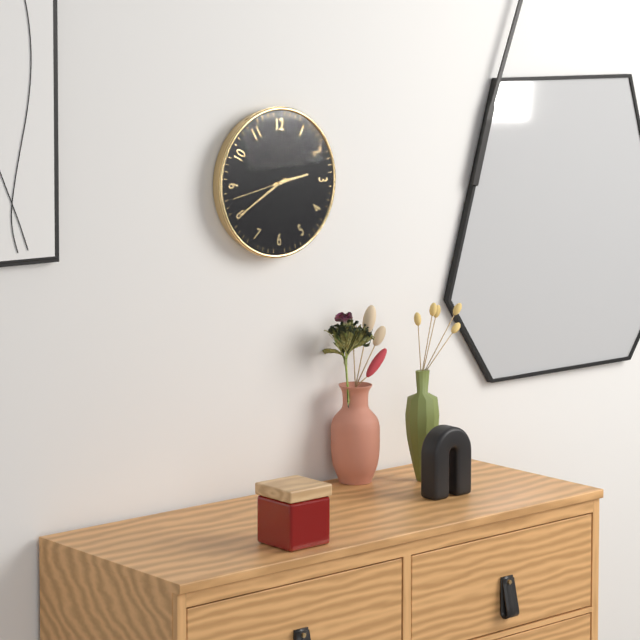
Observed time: 2:40:43
